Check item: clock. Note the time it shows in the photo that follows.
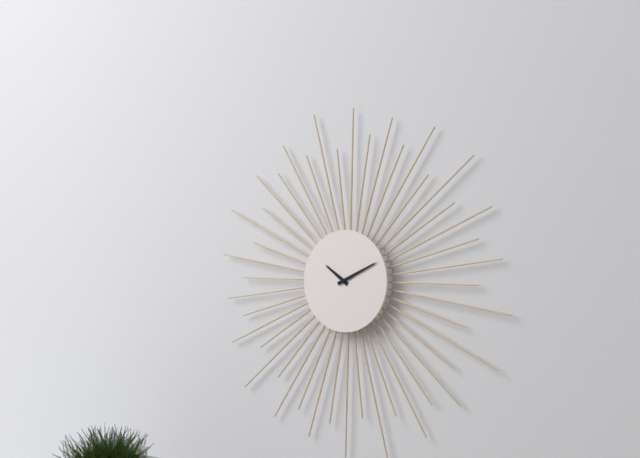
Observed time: 10:11
